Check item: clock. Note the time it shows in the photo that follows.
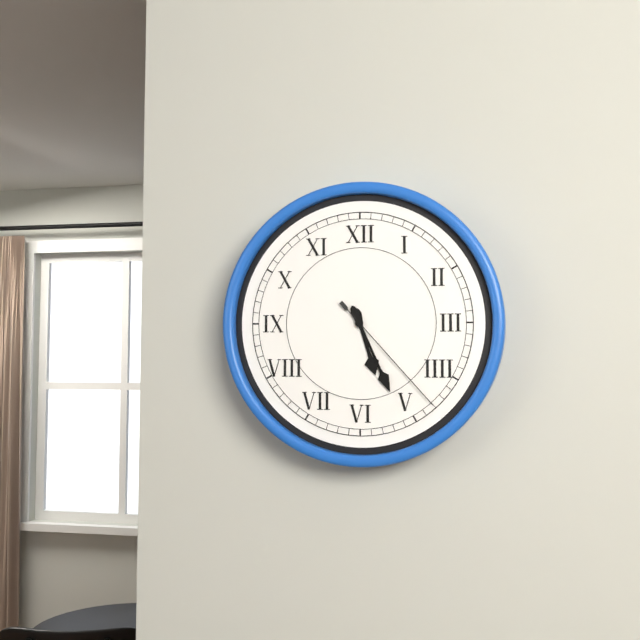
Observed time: 5:26:23
